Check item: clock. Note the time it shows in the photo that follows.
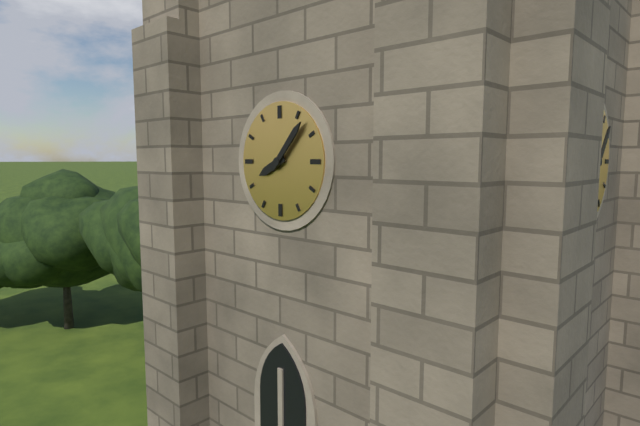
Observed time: 8:07
